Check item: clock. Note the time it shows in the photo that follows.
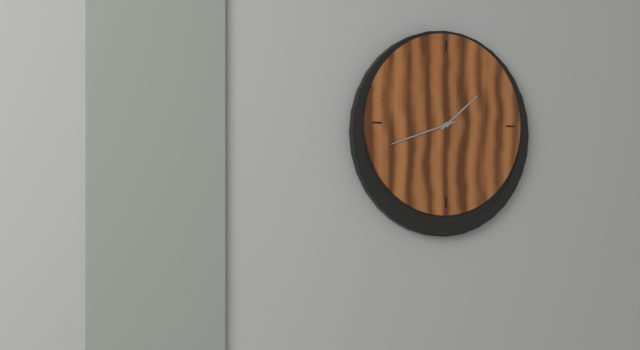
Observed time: 1:42
